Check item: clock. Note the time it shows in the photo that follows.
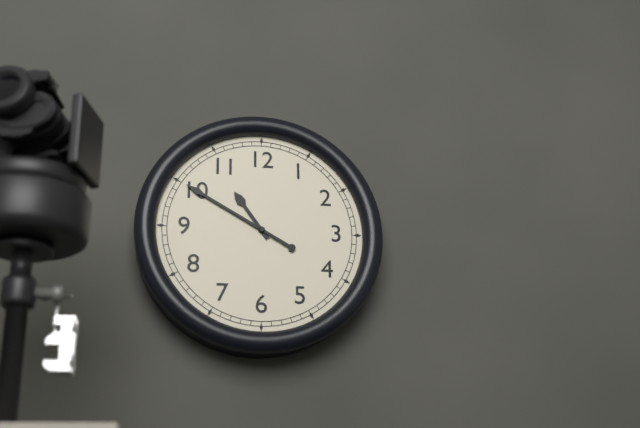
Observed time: 10:50
